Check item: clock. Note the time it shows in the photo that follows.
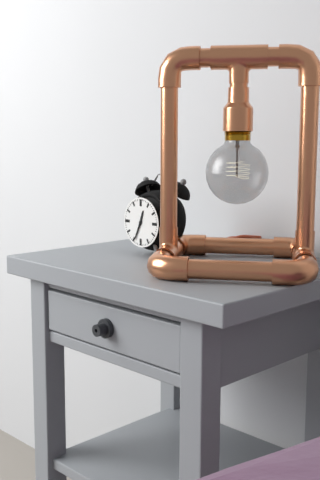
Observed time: 12:34
